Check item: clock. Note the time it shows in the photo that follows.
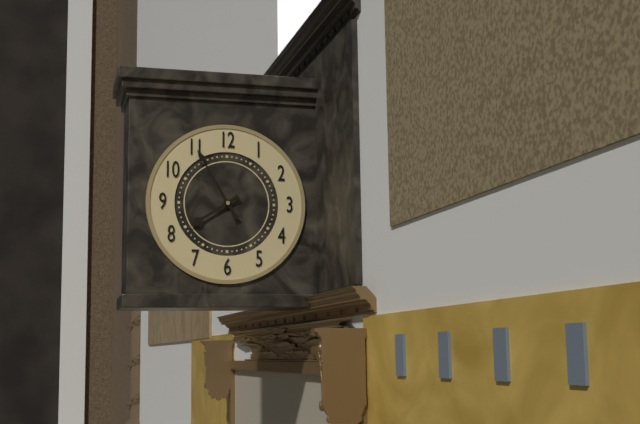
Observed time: 7:55
